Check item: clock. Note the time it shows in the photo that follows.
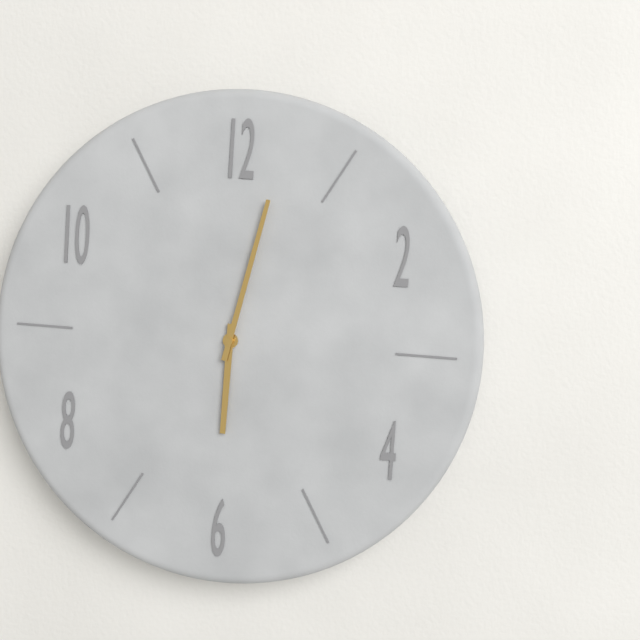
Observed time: 6:02
